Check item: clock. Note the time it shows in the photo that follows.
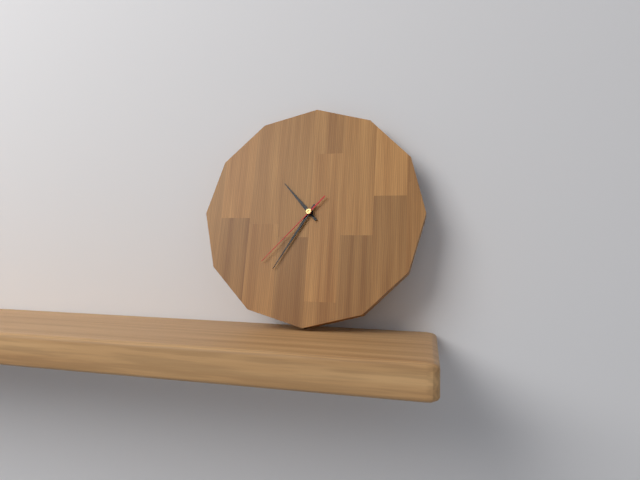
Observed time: 10:35:37
